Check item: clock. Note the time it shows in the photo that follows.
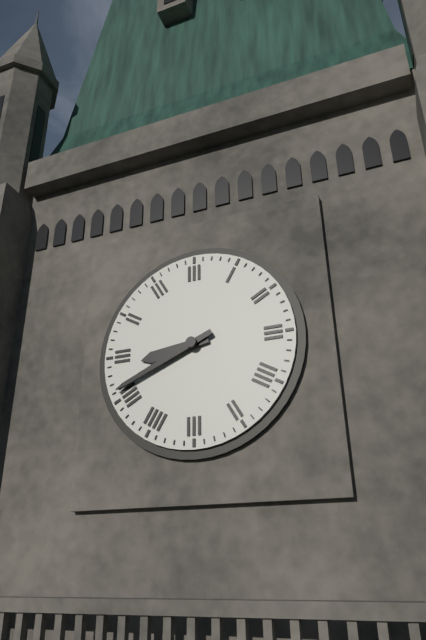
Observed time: 8:41
